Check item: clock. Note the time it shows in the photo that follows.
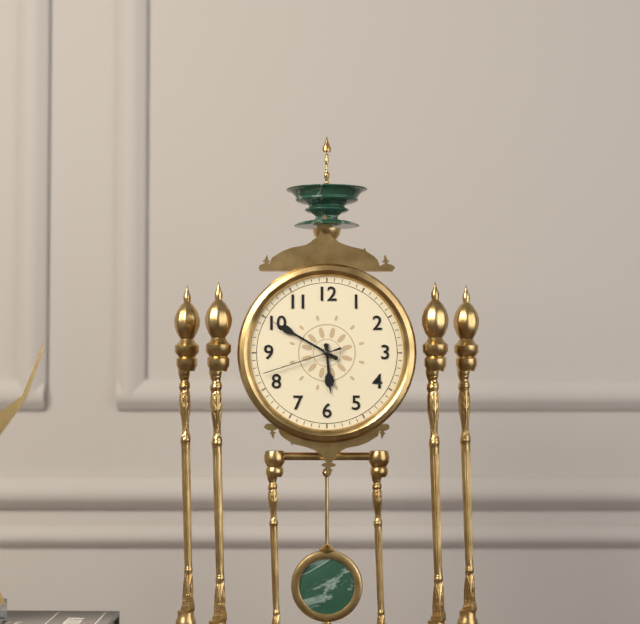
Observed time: 5:50:42
